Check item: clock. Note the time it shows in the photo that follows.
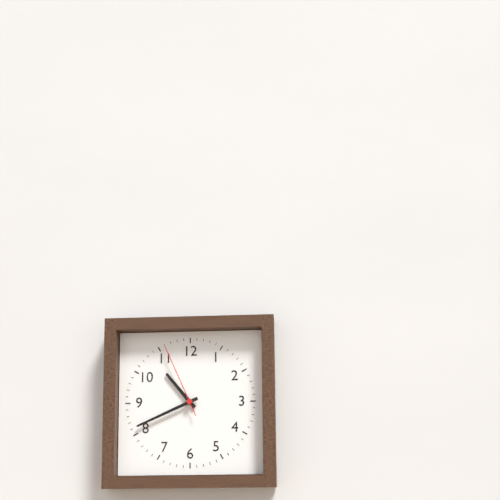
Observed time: 10:41:56
